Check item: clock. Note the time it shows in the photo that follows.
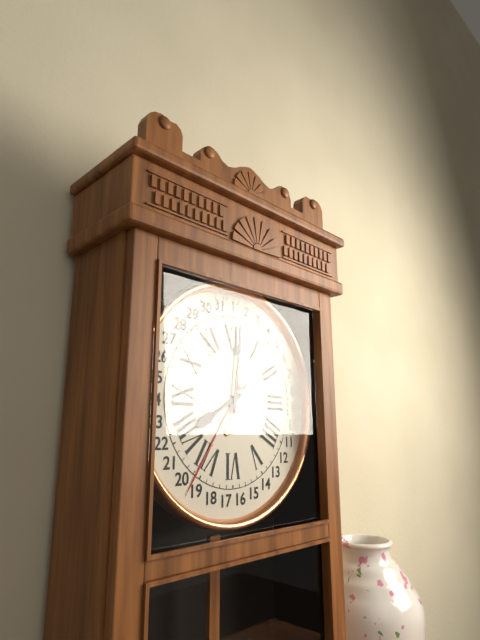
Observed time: 8:01
